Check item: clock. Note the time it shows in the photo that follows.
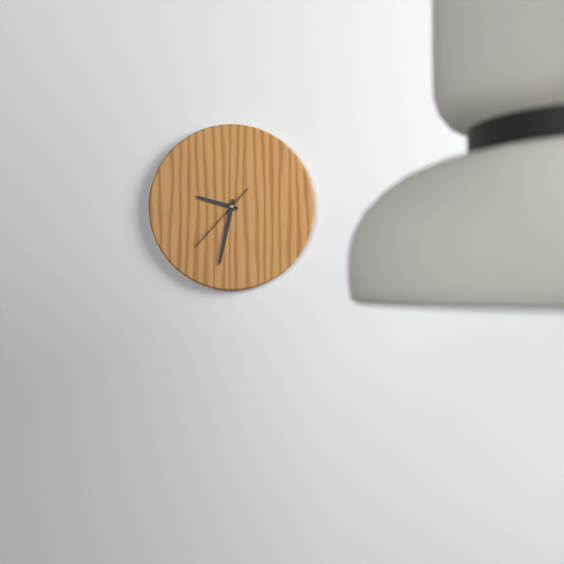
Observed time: 9:32:37
